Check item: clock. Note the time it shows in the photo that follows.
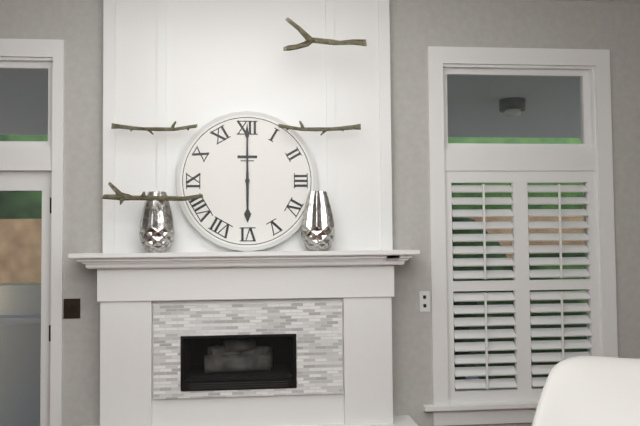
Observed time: 6:00
